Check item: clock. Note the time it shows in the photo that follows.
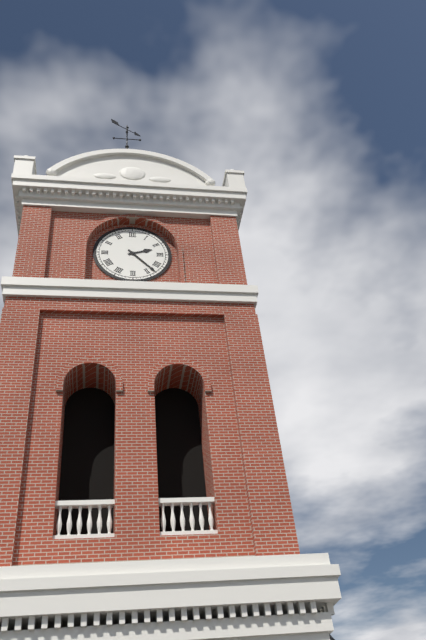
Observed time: 2:23
